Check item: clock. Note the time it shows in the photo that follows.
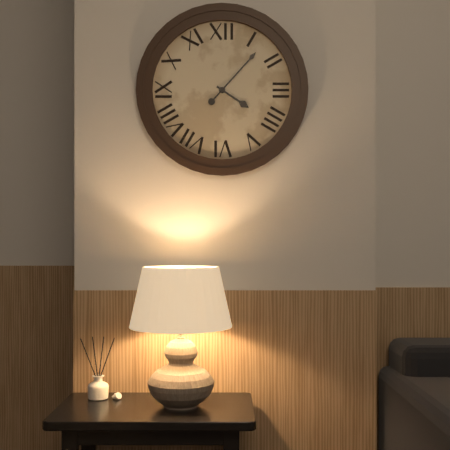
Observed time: 4:07
